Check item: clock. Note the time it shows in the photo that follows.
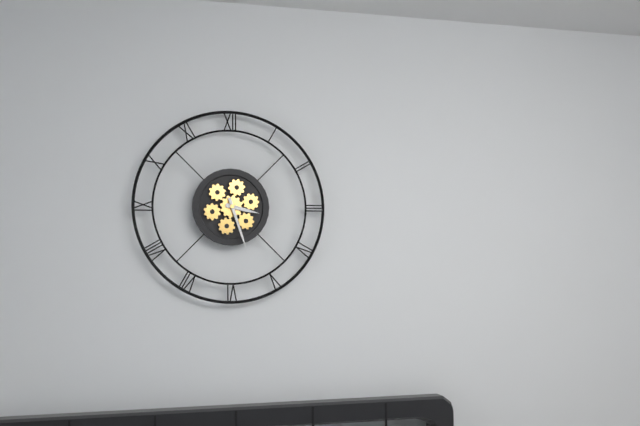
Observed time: 3:27
